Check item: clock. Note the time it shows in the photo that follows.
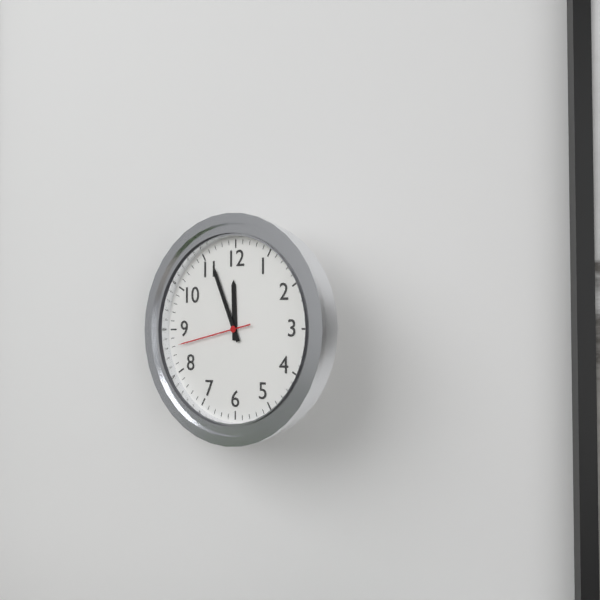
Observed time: 11:56:43
